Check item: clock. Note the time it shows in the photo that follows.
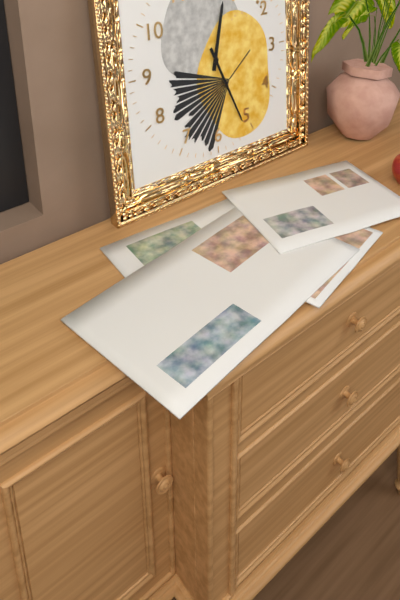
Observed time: 12:26
